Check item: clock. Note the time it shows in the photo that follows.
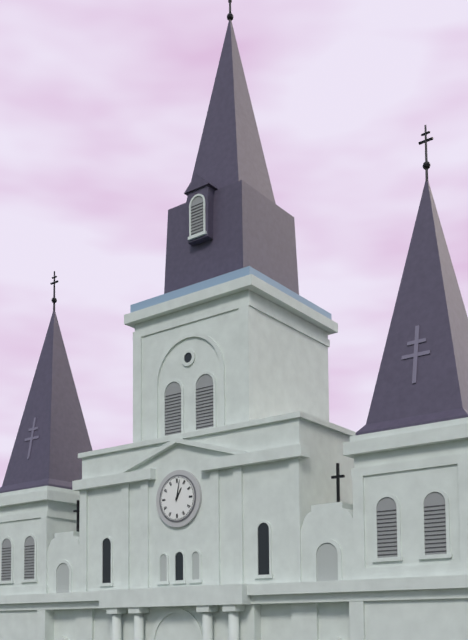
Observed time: 1:02
